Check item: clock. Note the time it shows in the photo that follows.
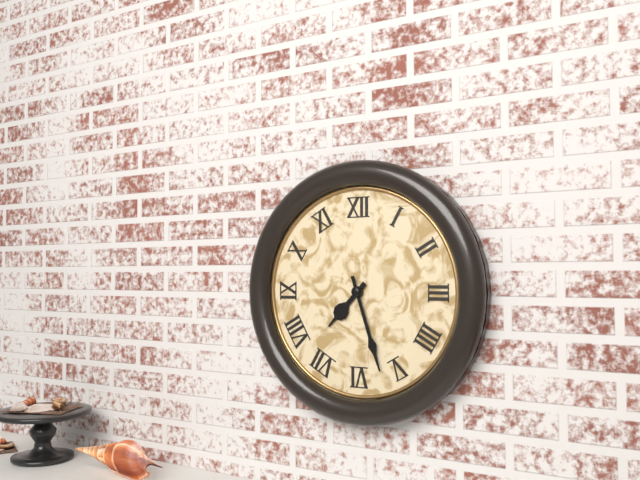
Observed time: 7:27
